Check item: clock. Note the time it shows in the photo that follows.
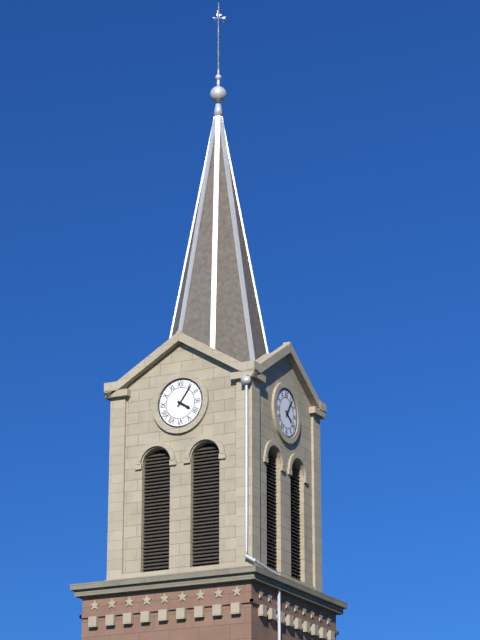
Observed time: 4:06
